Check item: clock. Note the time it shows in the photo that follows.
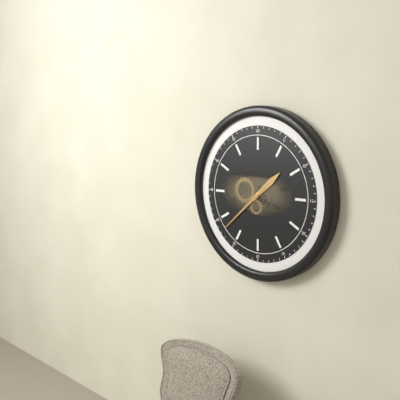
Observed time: 1:38
